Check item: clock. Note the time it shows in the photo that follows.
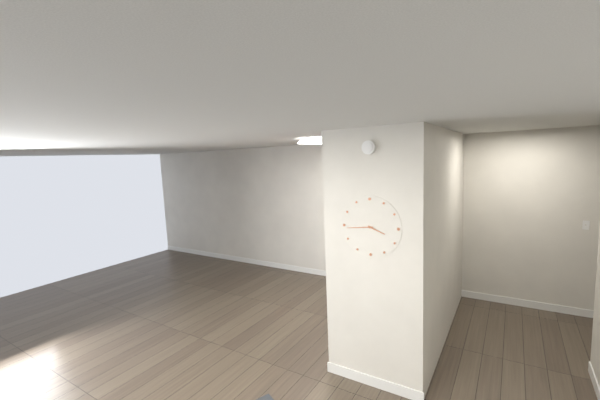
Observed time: 3:44
